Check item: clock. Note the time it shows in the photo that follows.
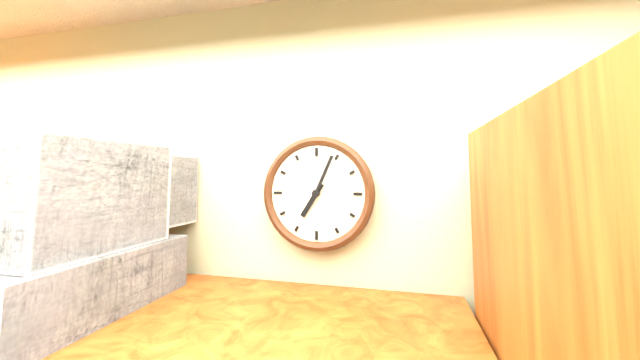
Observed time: 7:04
